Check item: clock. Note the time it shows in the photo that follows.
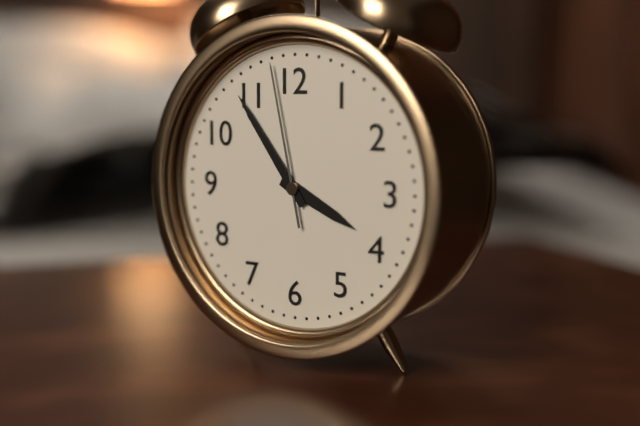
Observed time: 3:54:58
